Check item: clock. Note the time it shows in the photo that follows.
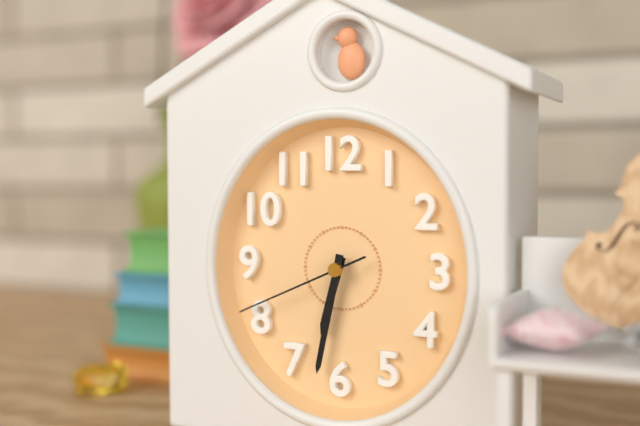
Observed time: 6:32:41
